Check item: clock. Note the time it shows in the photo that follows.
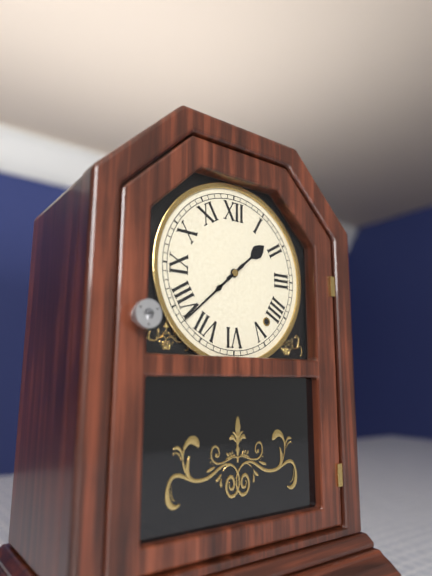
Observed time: 1:38
